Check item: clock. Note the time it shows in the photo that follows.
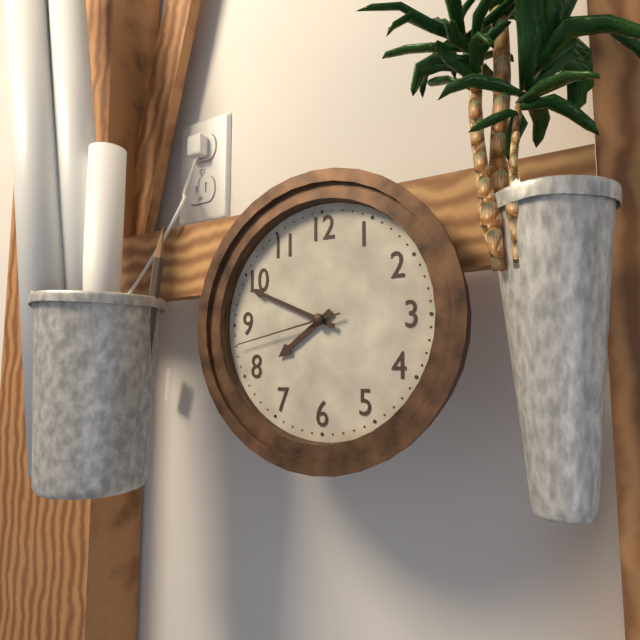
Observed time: 7:49:43
